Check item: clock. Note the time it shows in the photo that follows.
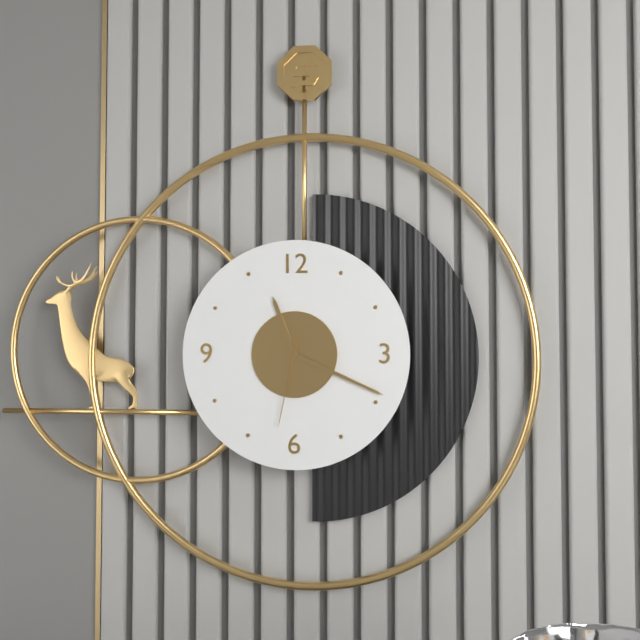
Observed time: 11:19:32
